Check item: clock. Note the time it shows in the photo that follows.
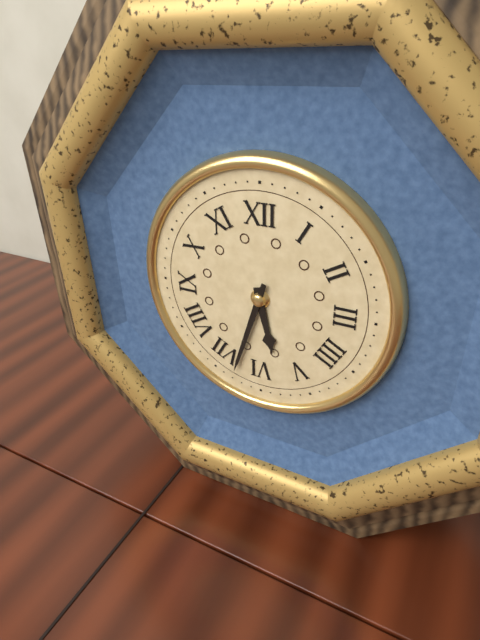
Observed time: 5:33
